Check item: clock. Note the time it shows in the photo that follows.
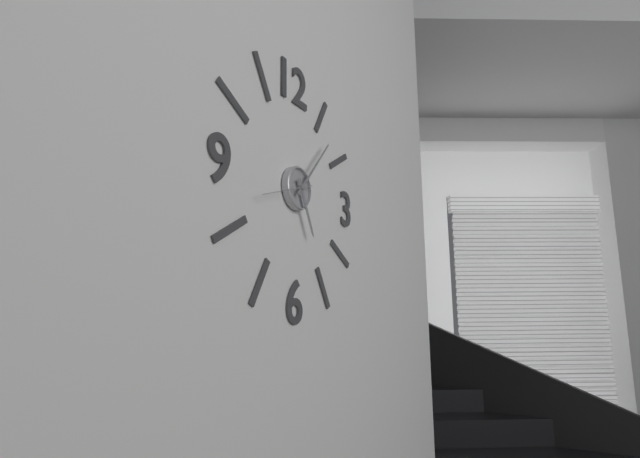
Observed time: 5:07:42
